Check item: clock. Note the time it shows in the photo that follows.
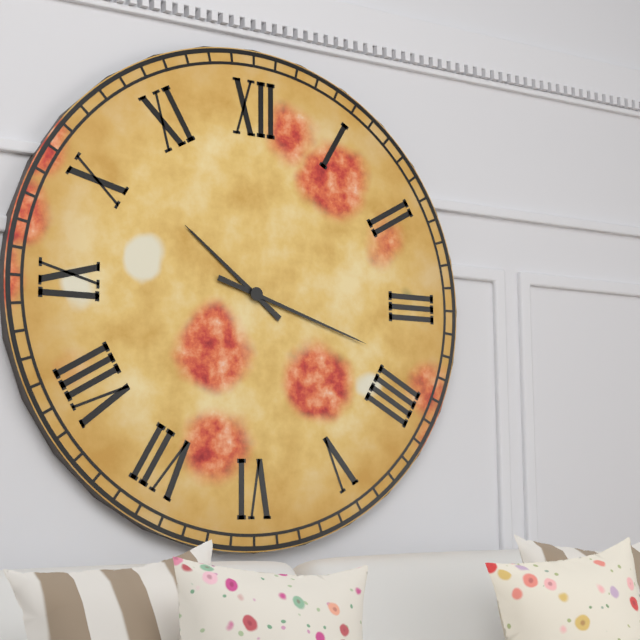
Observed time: 10:18
